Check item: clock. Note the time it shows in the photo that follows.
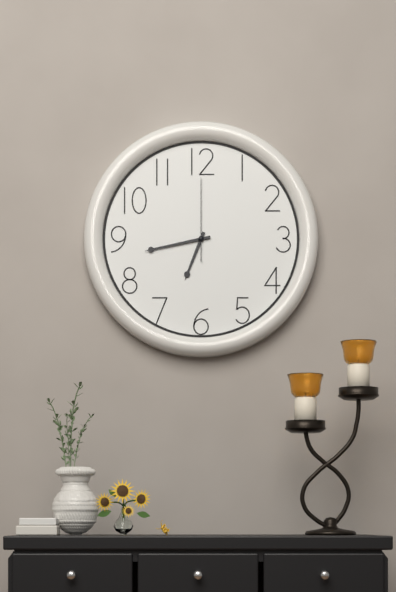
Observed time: 6:43:00
